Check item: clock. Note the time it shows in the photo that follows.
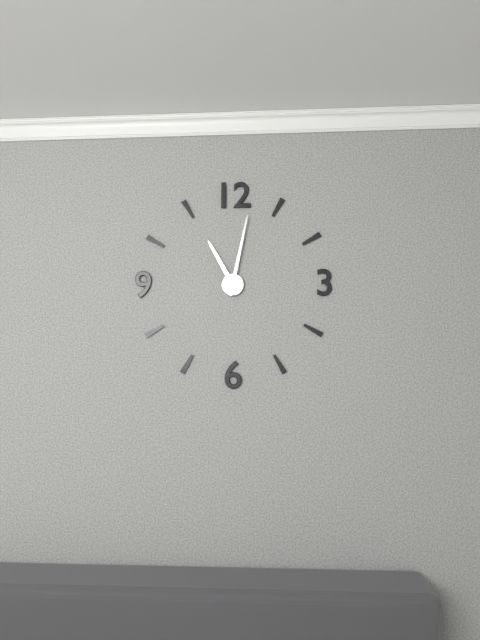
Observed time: 11:02
